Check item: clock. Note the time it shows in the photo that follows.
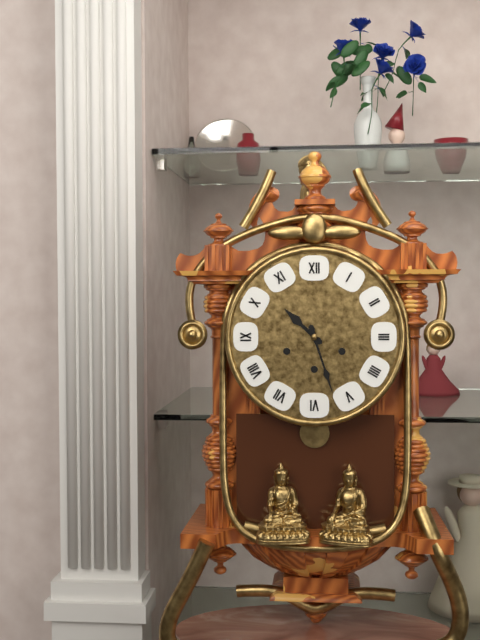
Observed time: 10:27
